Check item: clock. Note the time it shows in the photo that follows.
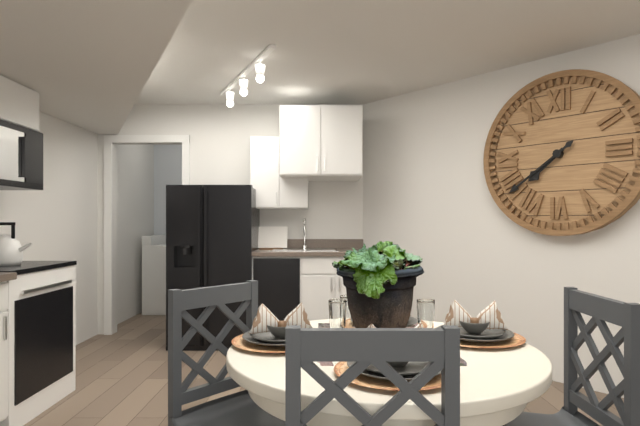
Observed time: 7:39
